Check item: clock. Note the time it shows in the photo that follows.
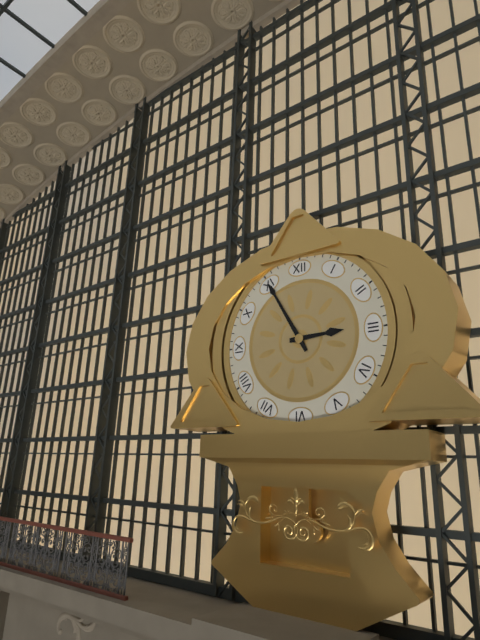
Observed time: 2:55
